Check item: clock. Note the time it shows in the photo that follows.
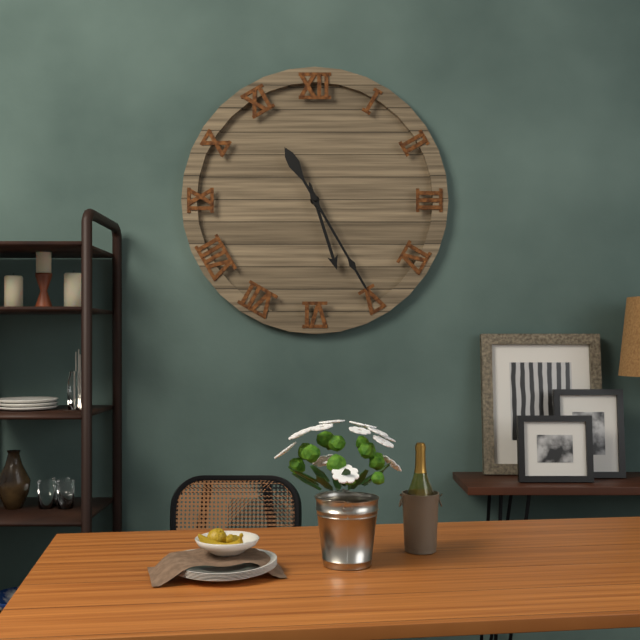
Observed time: 5:25
